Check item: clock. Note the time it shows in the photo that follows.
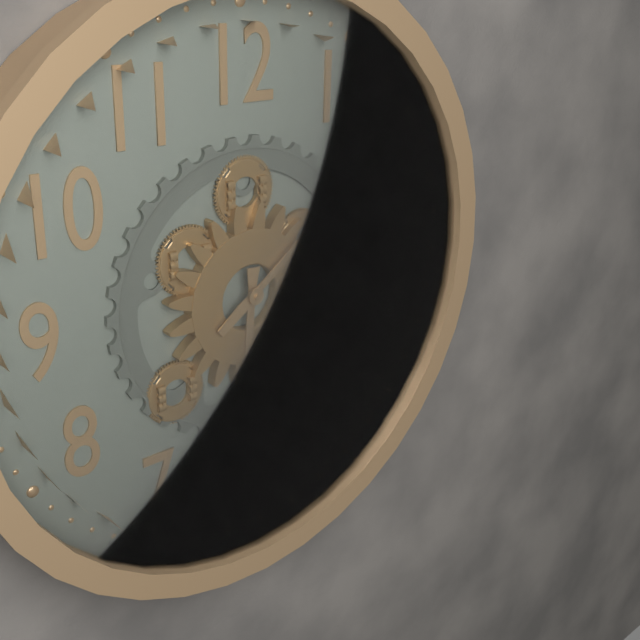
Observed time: 6:09
